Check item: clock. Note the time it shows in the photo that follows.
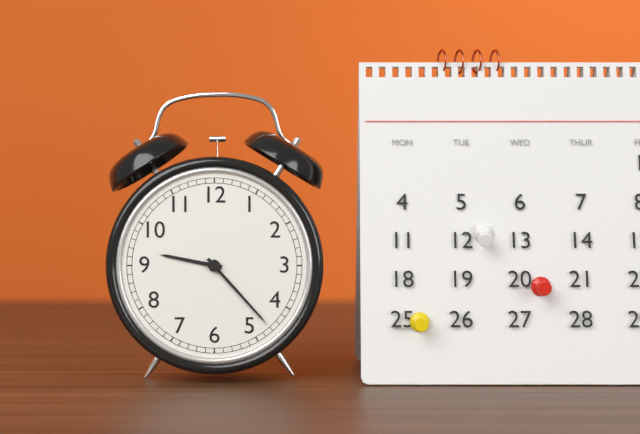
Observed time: 9:23
